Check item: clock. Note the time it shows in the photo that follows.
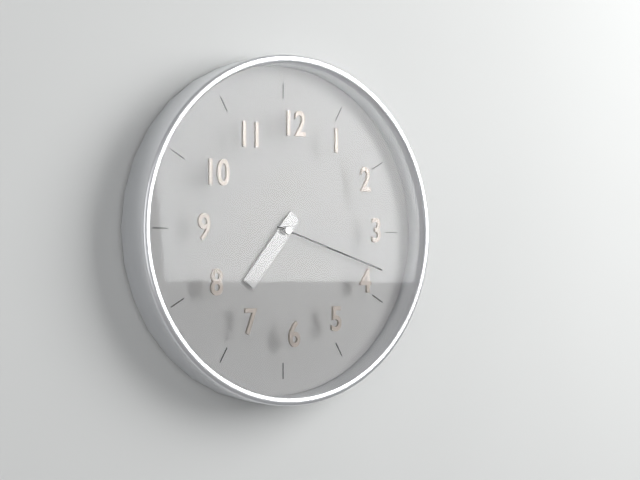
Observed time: 7:18
